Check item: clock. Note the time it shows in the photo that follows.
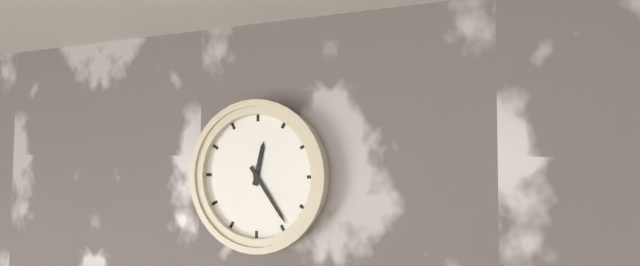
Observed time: 12:24
